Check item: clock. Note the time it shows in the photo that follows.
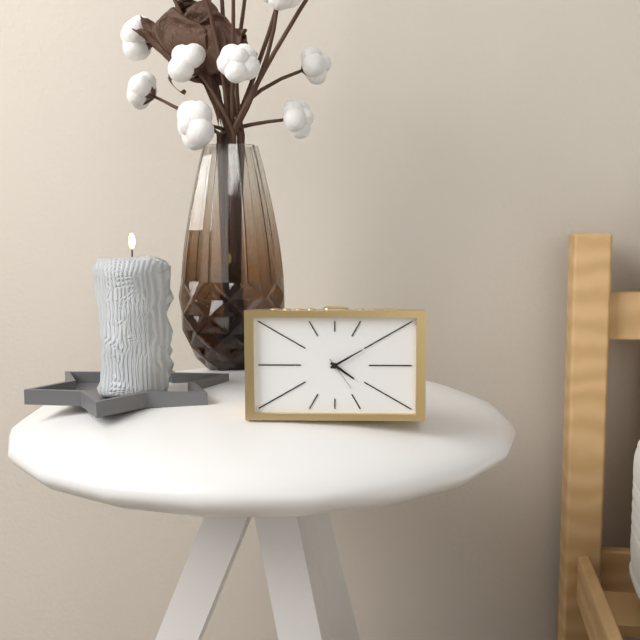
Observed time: 4:10
